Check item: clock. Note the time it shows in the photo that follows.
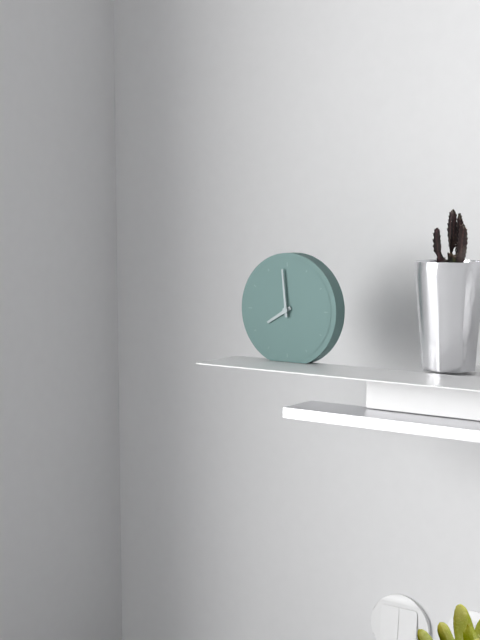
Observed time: 7:59
